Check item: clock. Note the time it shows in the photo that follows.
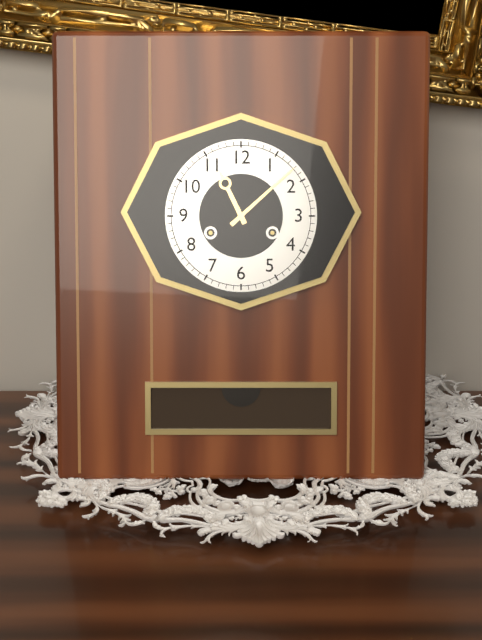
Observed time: 11:08
